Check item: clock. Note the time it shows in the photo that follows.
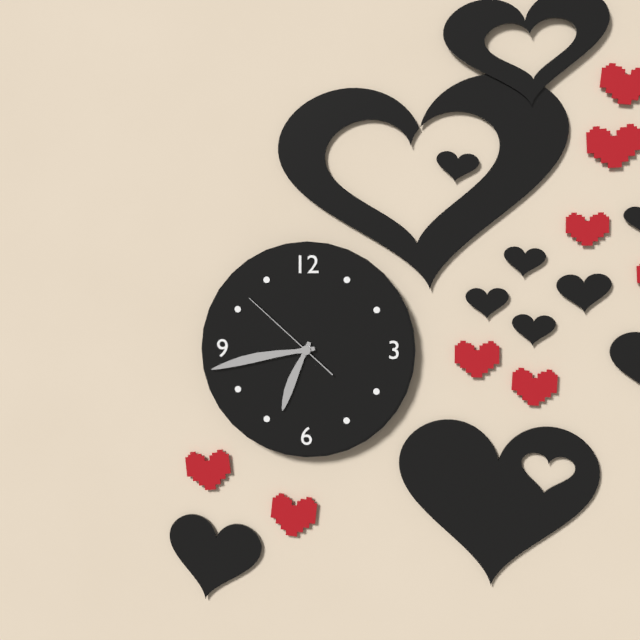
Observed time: 6:43:52
